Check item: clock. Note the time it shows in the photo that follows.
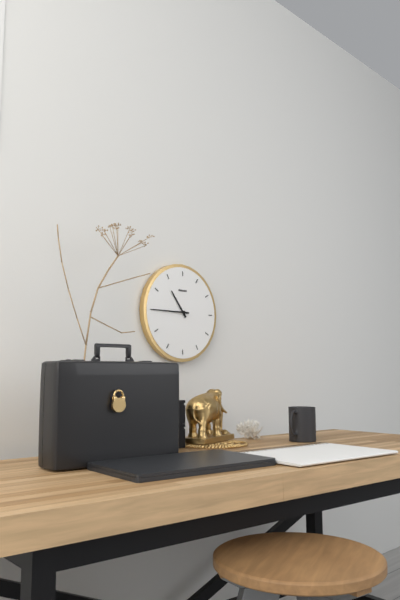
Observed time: 10:45
